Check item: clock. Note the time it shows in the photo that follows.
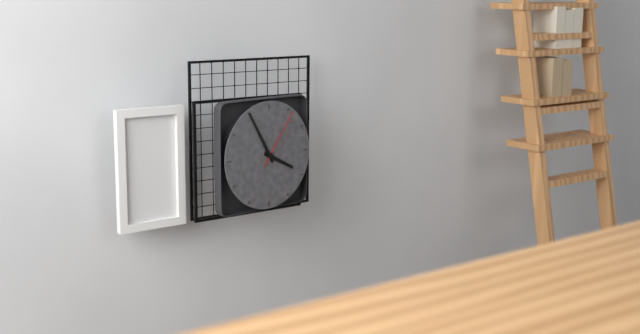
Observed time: 3:55:06
